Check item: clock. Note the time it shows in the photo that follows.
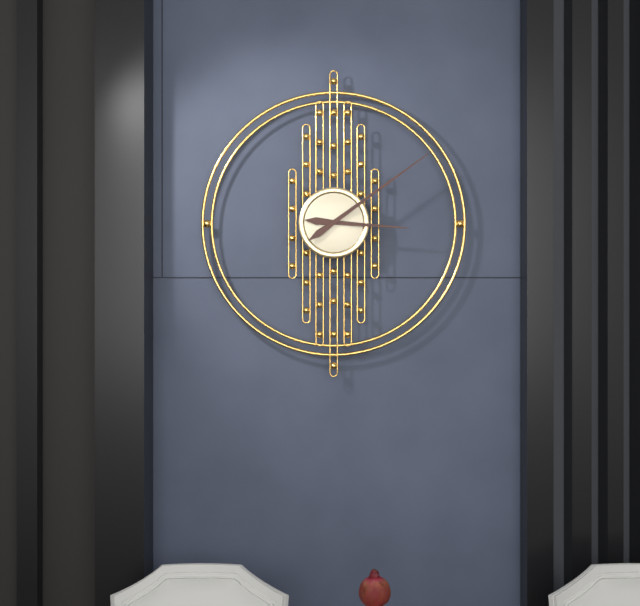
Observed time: 3:09
